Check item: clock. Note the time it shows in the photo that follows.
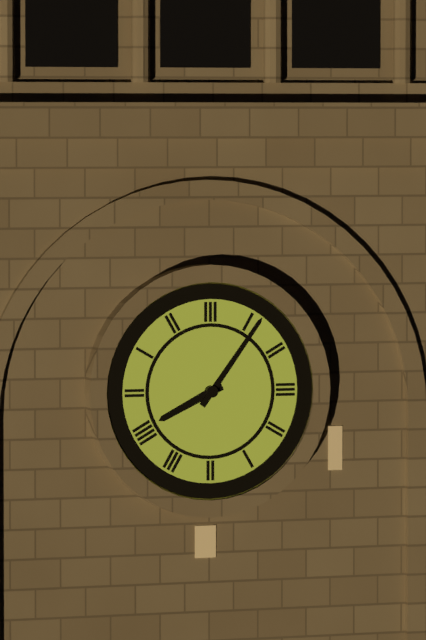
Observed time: 8:06
